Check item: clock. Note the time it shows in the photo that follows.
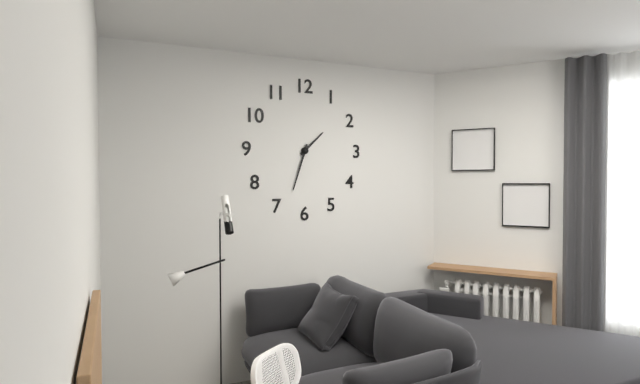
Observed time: 1:33
